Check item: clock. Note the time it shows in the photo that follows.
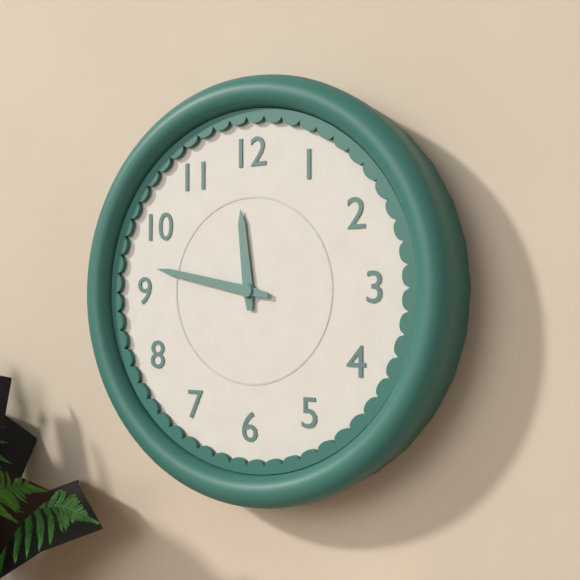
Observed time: 11:47
